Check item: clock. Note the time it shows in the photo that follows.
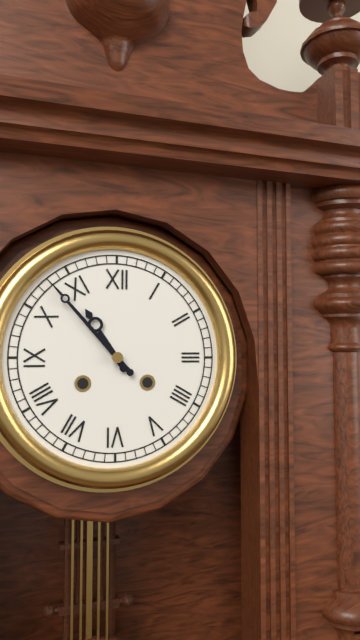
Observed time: 10:53
